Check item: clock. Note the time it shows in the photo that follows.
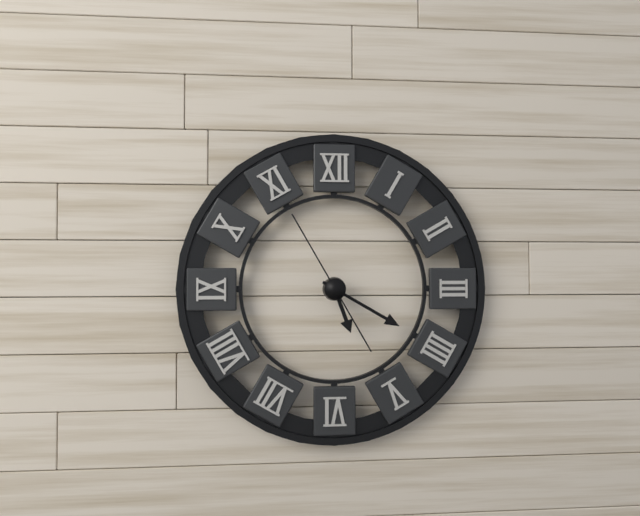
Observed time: 5:20:55
